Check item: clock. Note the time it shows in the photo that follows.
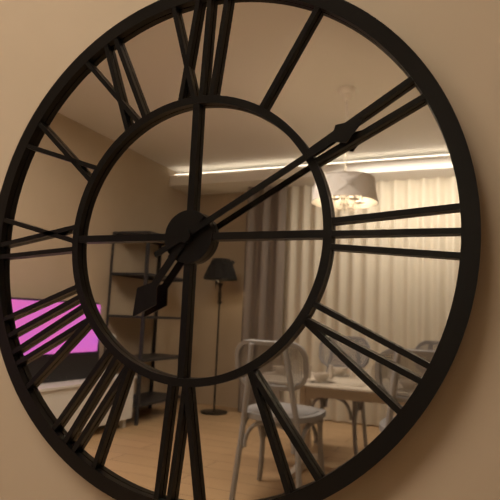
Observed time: 7:10
